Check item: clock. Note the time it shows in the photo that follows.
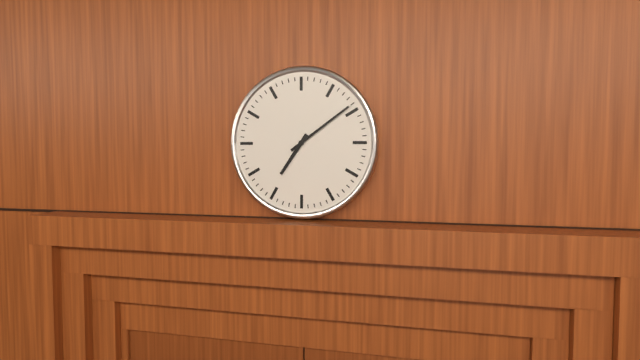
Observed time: 7:09
